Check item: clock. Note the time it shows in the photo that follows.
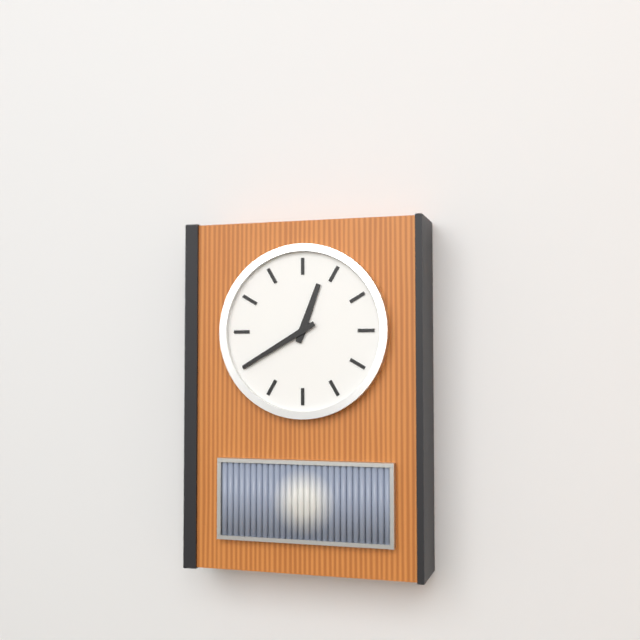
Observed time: 12:40
